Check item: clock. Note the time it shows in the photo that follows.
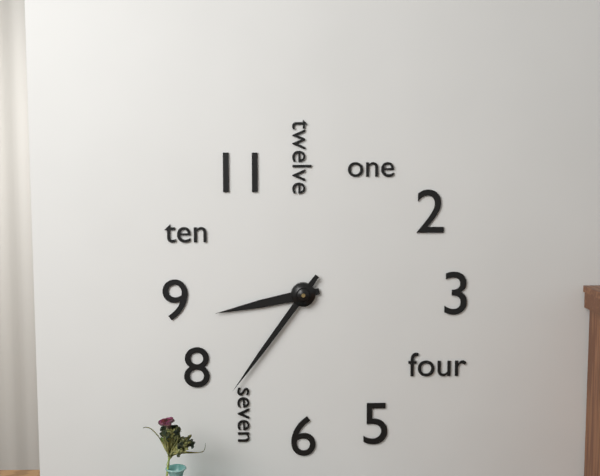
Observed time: 8:36
